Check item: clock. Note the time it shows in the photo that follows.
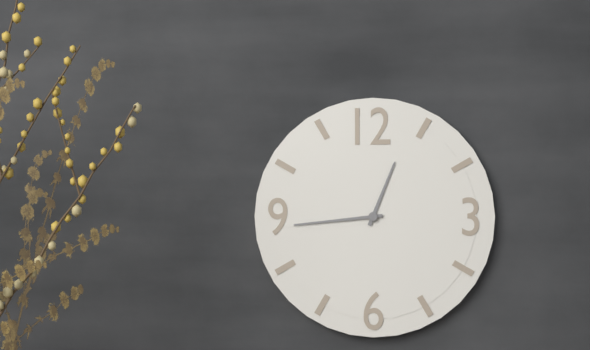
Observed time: 12:44
